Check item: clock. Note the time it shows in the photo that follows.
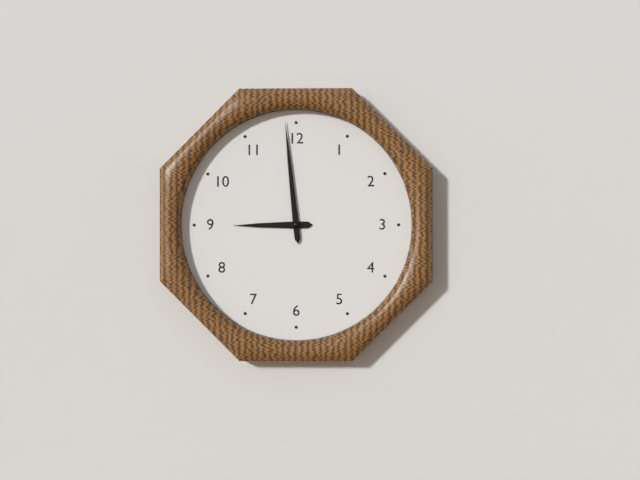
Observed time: 8:59
